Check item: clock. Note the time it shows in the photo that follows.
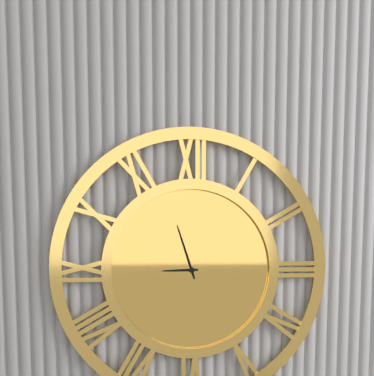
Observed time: 8:57
